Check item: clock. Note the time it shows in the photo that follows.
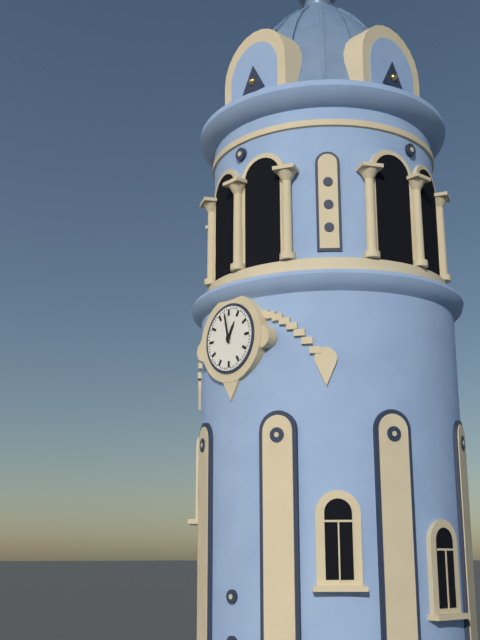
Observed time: 12:58
